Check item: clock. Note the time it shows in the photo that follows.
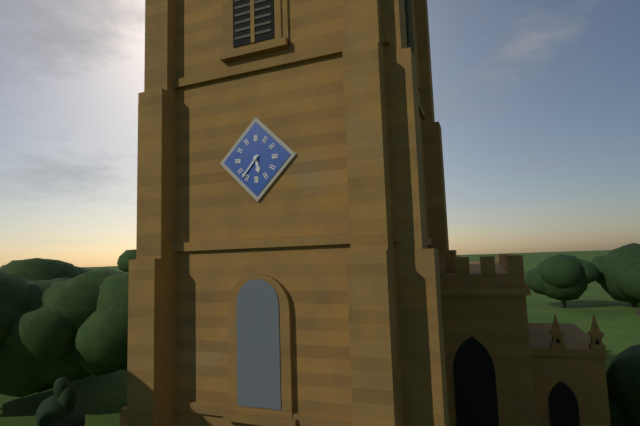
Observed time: 5:37
